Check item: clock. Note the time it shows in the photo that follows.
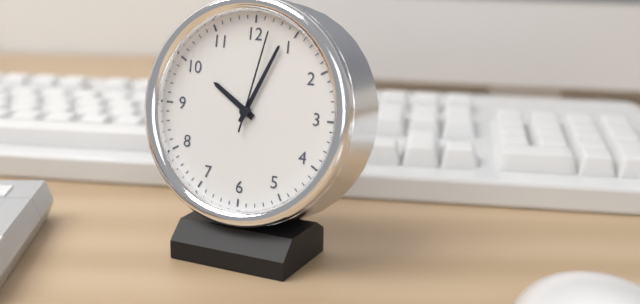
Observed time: 10:04:02
